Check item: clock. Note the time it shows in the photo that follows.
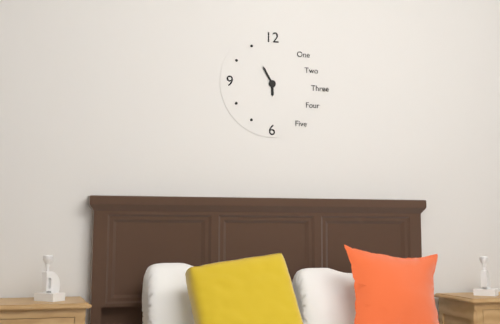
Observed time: 5:55
